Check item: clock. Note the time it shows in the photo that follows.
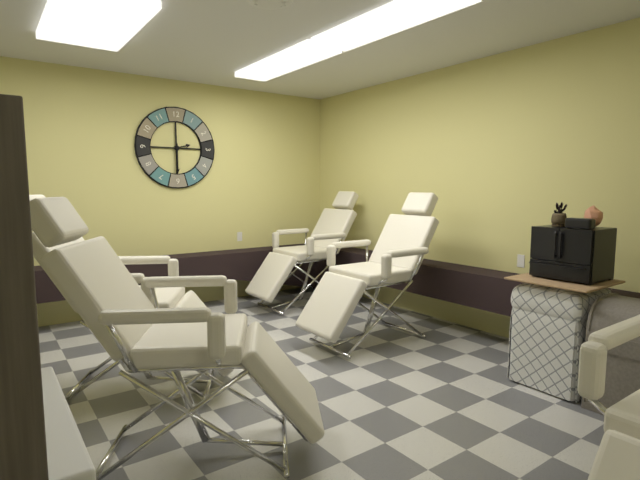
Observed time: 2:30
